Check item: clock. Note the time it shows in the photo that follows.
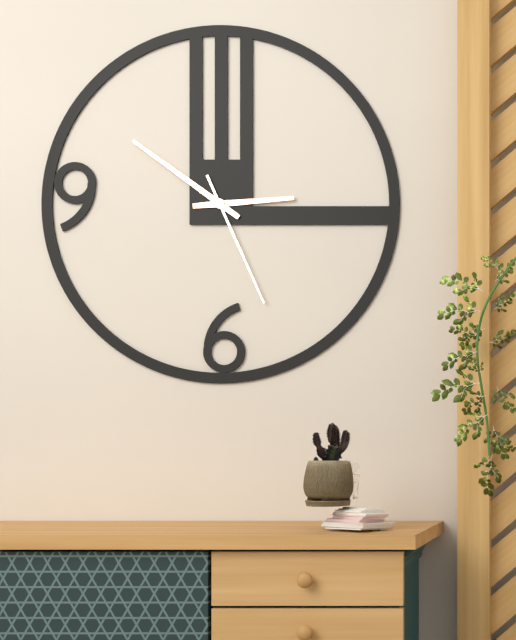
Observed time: 2:51:26
